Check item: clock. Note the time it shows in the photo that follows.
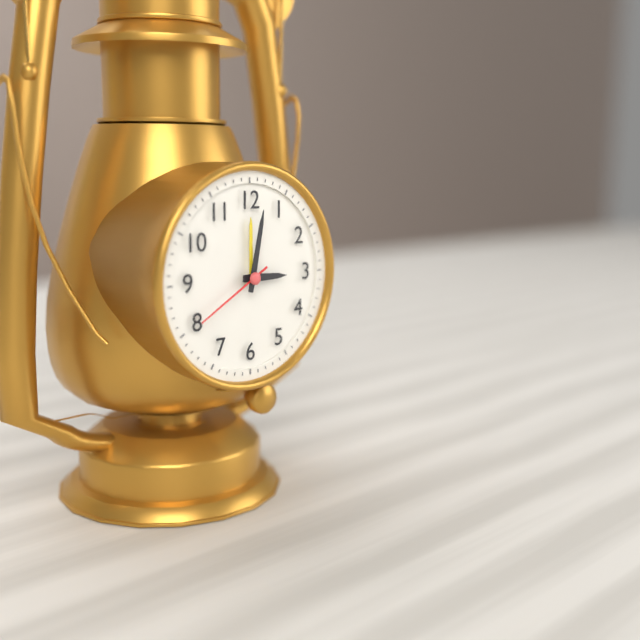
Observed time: 3:02:40
